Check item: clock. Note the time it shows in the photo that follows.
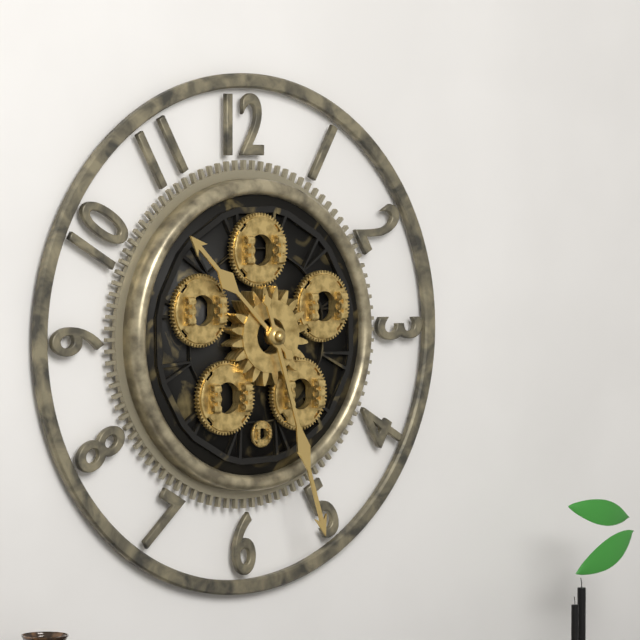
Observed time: 10:27
